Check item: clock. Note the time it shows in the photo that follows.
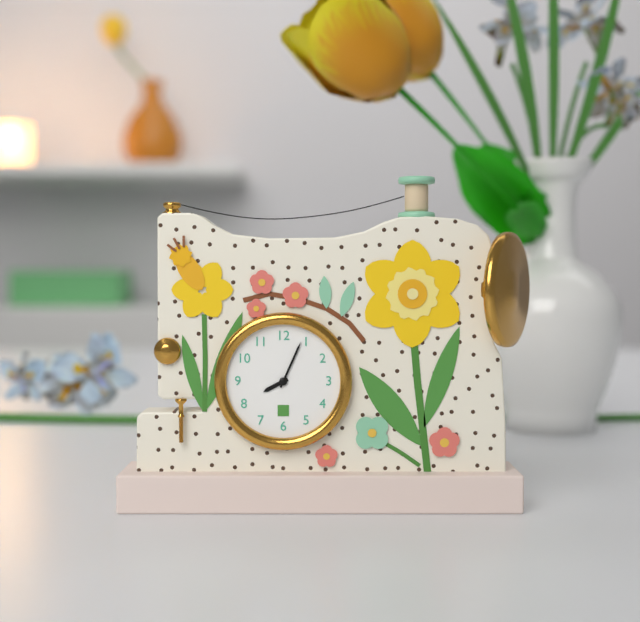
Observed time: 8:04
